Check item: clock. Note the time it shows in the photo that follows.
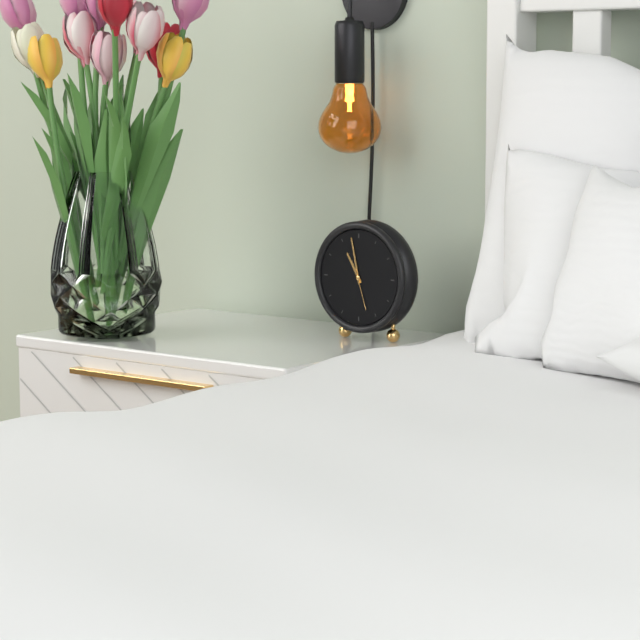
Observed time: 10:58
